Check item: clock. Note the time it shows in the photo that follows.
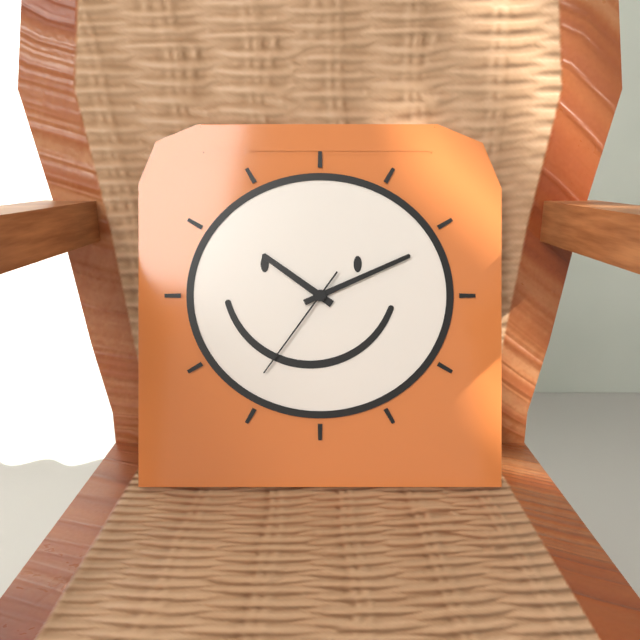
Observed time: 10:11:36
